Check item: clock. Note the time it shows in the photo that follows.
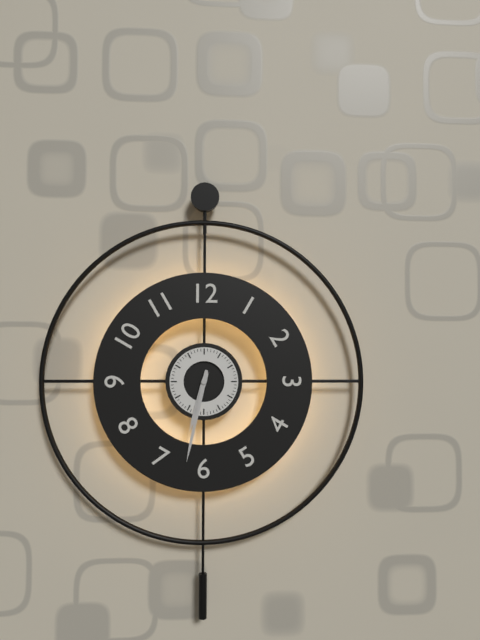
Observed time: 6:32
